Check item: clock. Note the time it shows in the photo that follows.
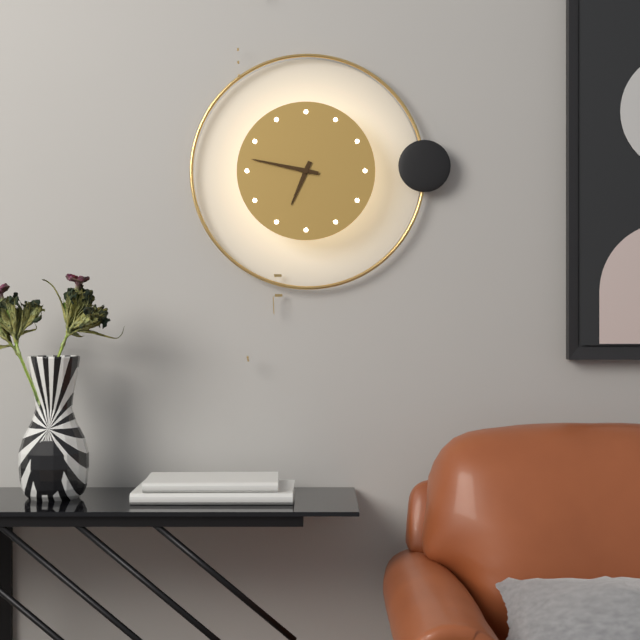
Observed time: 6:47
